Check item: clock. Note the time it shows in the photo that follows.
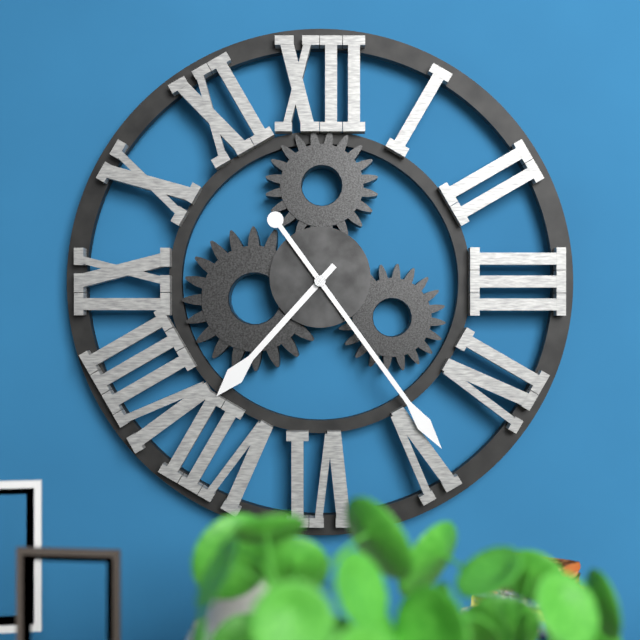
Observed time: 7:24
